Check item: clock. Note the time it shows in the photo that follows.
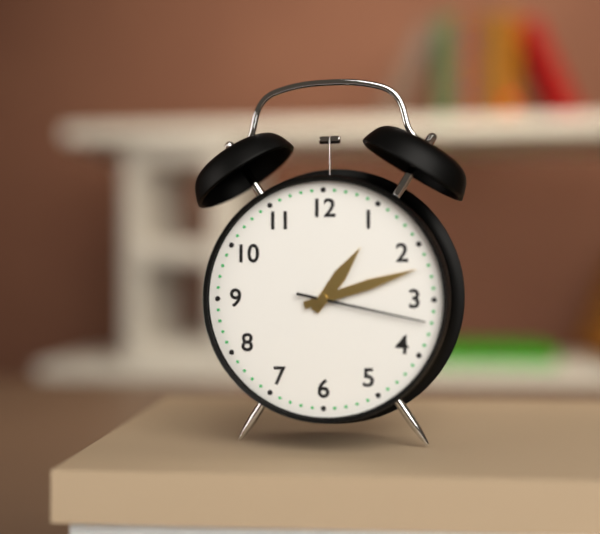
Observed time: 1:12:17
